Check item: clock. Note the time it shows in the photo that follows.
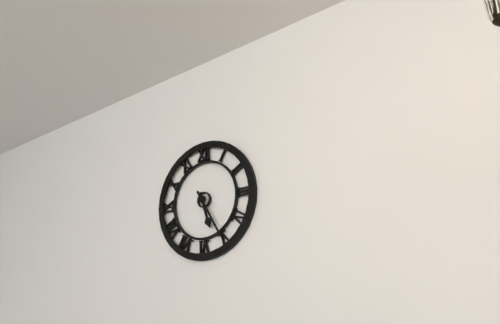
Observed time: 5:25
